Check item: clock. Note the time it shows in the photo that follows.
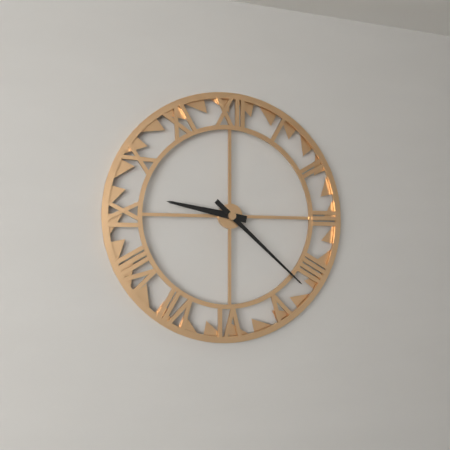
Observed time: 9:22
